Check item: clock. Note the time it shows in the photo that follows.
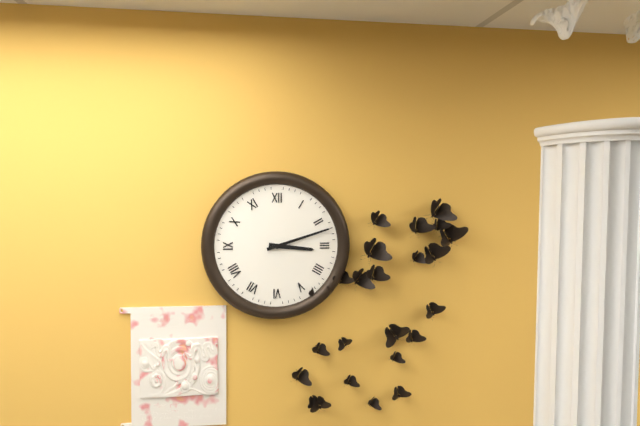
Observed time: 3:12
